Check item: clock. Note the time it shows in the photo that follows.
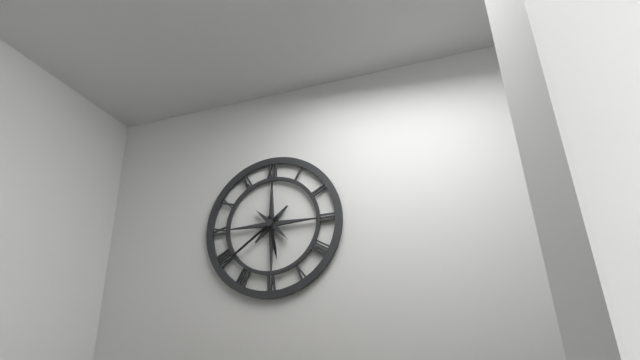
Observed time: 5:39
